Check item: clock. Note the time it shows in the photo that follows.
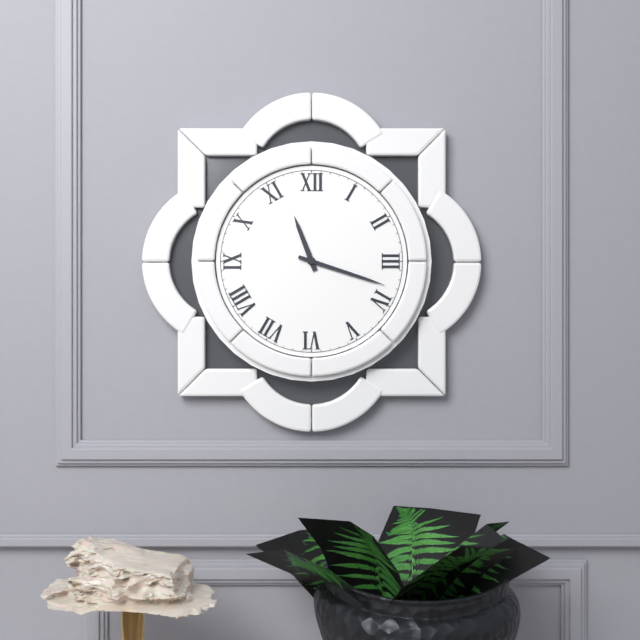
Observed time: 11:18
